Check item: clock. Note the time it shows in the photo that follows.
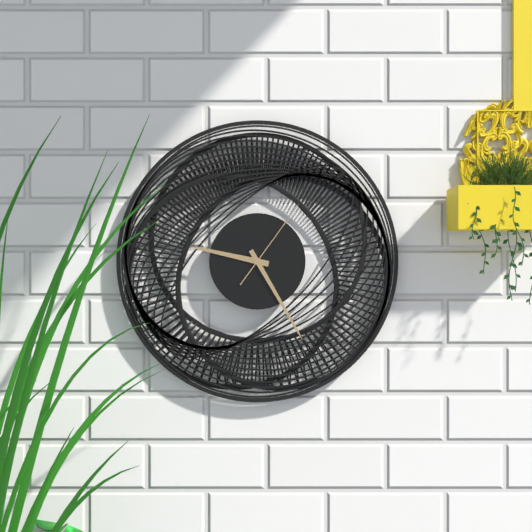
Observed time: 9:25:06
